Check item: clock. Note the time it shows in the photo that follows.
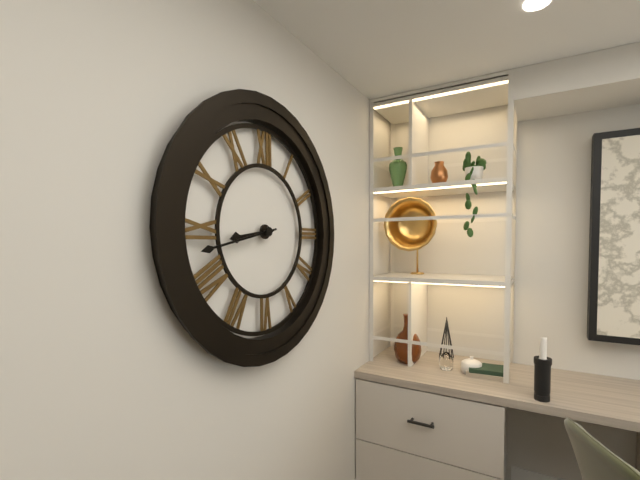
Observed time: 8:43
